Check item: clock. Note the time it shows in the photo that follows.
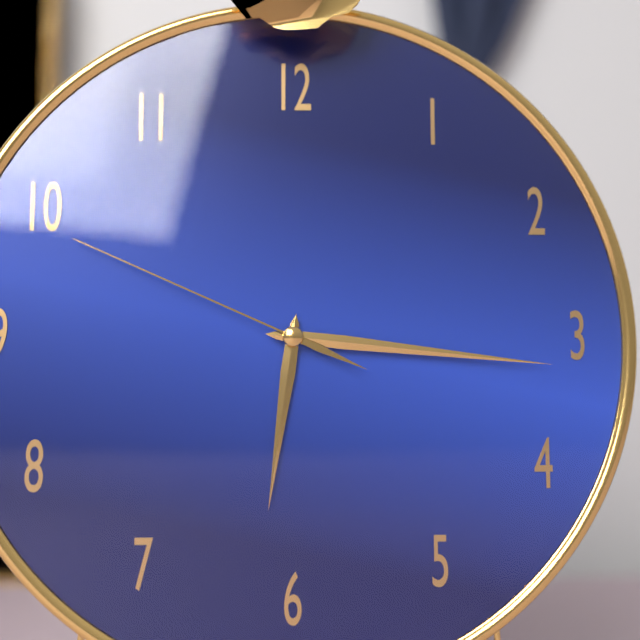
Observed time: 6:16:49
